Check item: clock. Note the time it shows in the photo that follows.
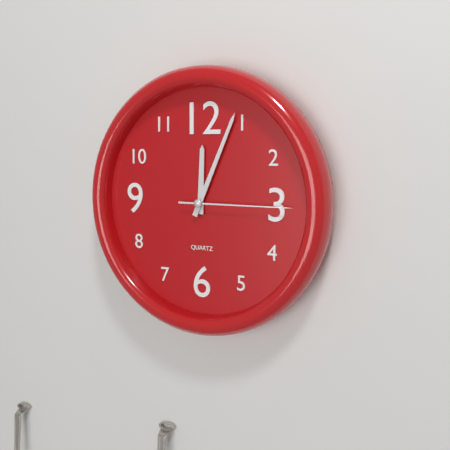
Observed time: 12:04:15
